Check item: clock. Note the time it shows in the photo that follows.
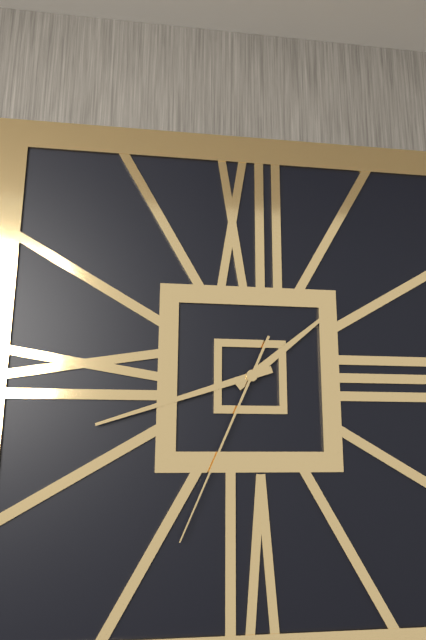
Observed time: 1:42:34
